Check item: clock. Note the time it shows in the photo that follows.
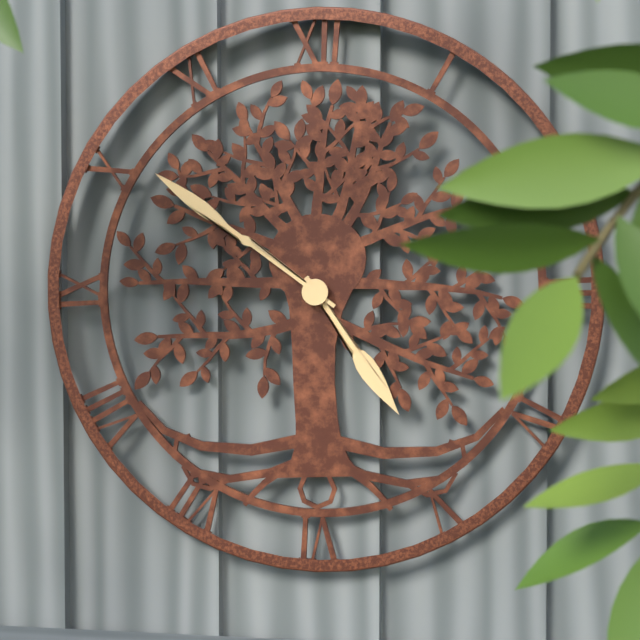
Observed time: 4:51
